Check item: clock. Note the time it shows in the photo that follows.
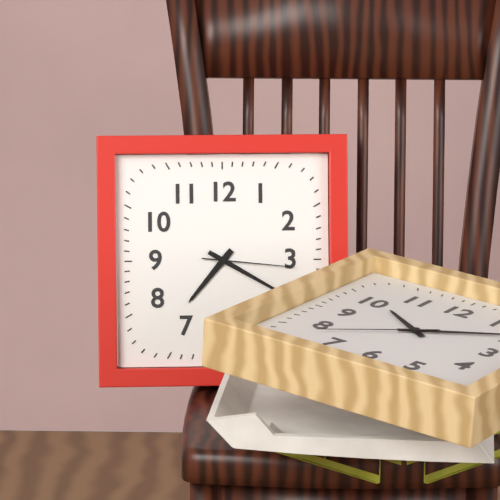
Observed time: 7:20:16
